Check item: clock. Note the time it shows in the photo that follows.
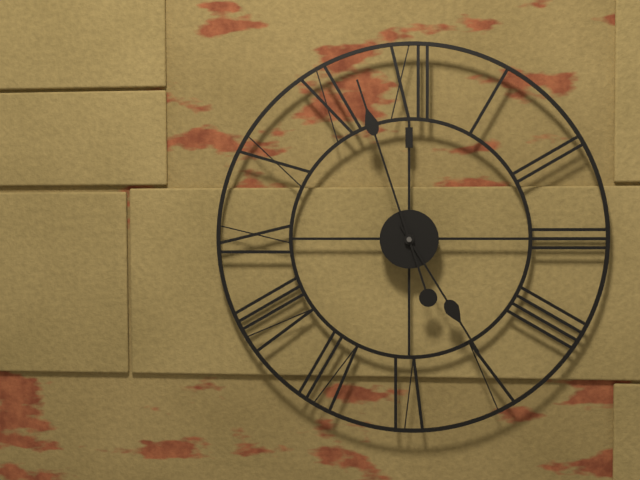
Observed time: 4:57
